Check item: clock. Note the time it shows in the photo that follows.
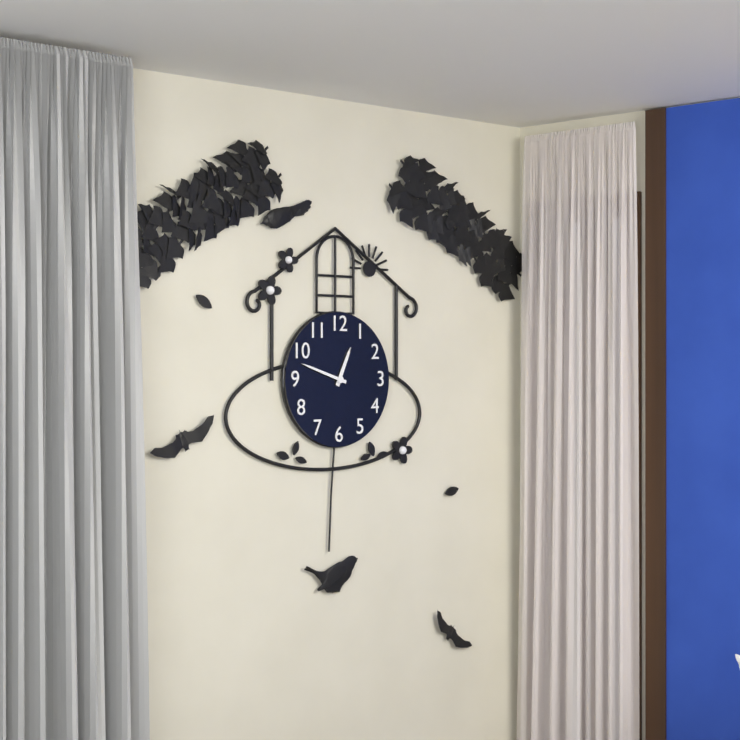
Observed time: 12:48
